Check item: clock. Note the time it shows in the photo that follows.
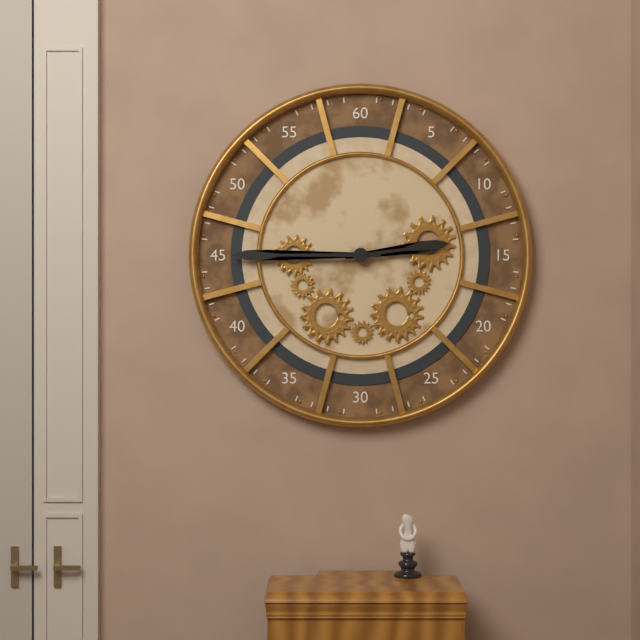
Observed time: 2:45
